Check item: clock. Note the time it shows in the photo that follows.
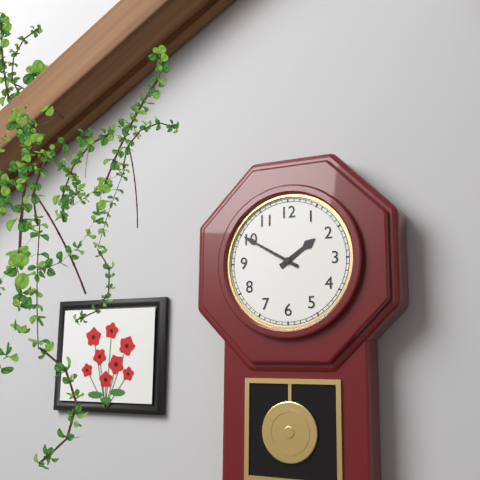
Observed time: 1:50
